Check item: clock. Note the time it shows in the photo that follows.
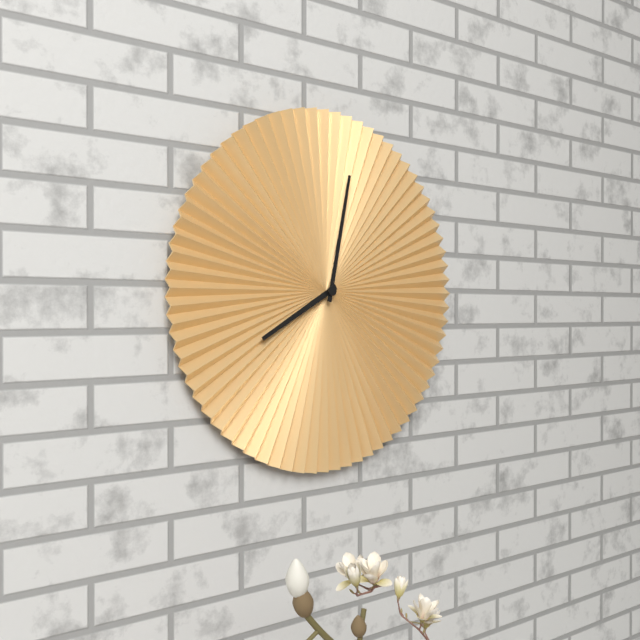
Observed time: 8:02
